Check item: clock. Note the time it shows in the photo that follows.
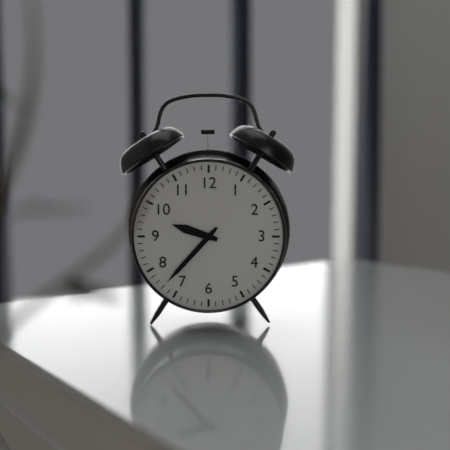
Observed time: 9:37
